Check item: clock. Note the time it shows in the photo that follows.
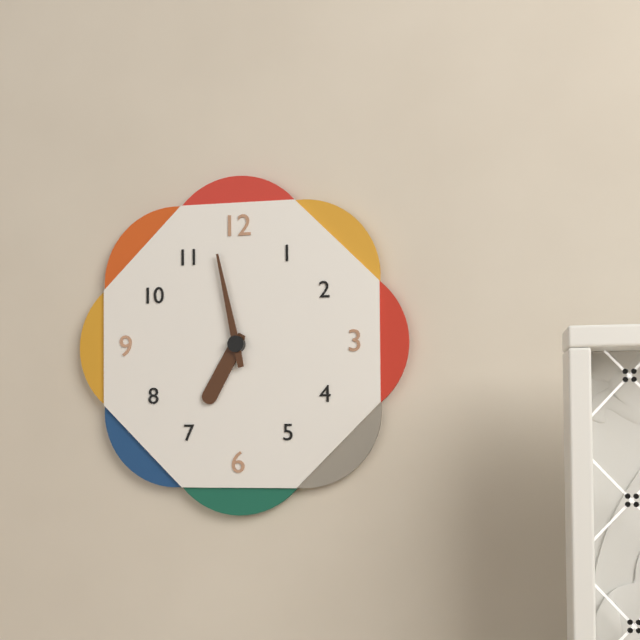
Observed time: 6:58
